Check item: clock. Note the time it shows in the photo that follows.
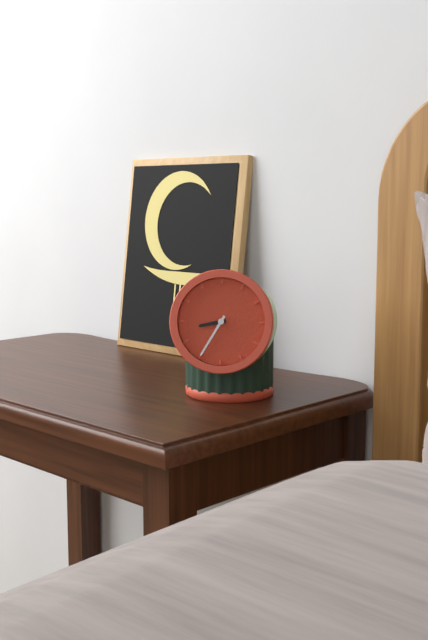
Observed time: 8:35
